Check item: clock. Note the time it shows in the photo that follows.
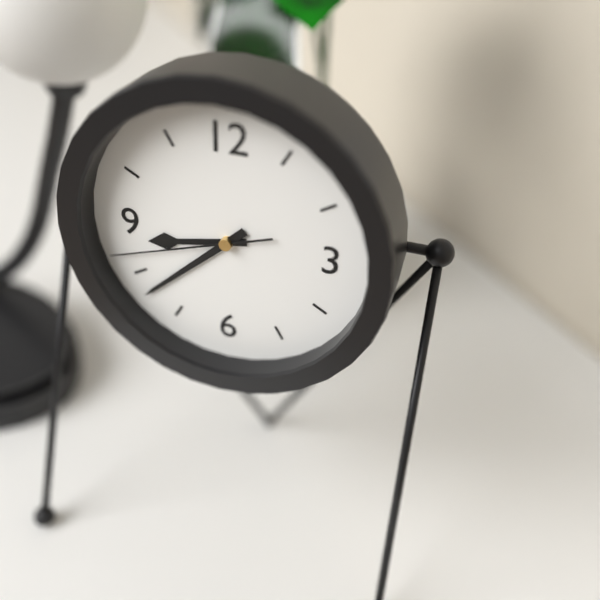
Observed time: 8:38:42
